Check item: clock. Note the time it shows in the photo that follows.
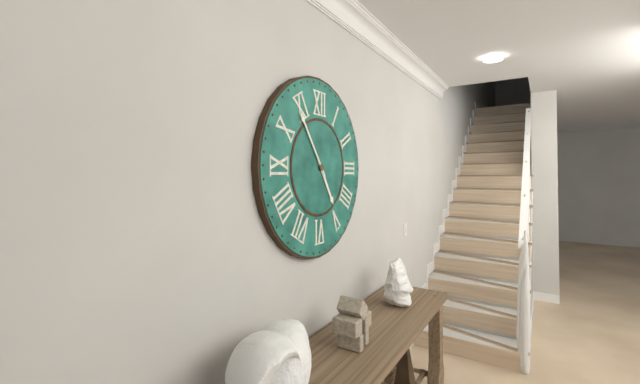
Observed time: 4:54
